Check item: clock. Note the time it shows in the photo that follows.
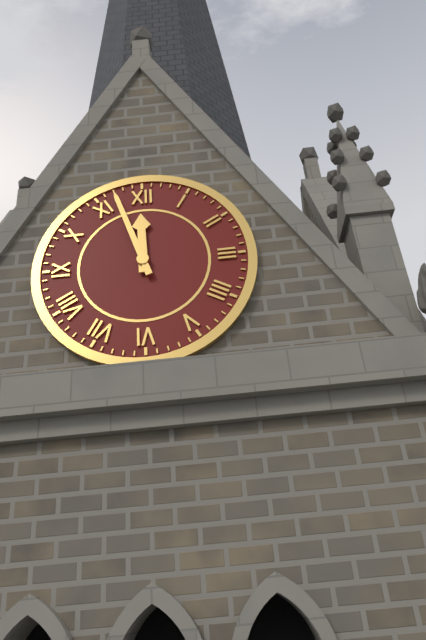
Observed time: 11:57
